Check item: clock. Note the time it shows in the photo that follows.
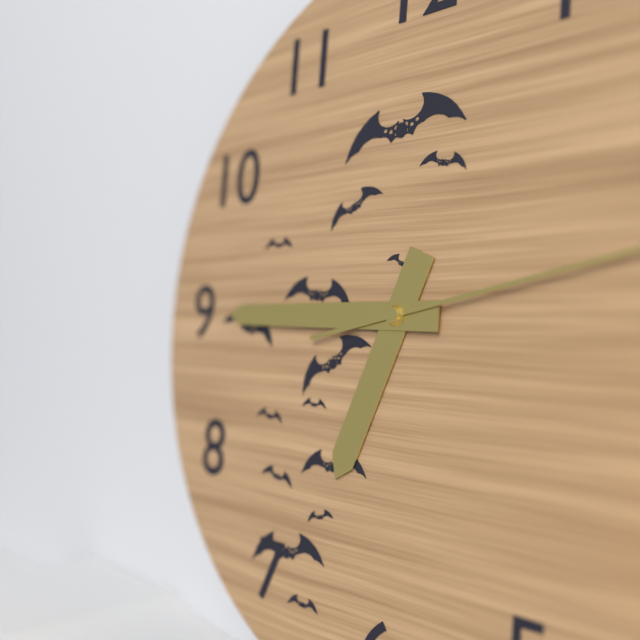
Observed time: 6:45
